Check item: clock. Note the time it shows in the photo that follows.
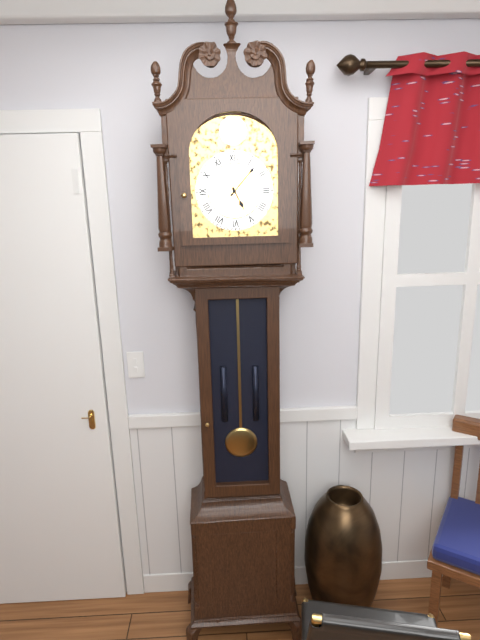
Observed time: 5:07
